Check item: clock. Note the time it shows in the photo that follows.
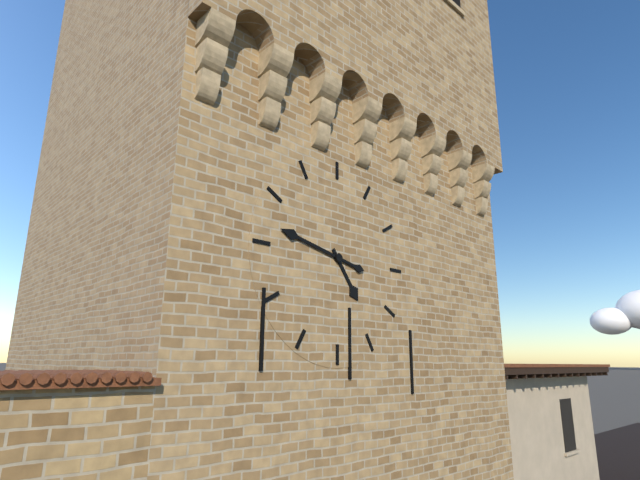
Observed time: 4:47
